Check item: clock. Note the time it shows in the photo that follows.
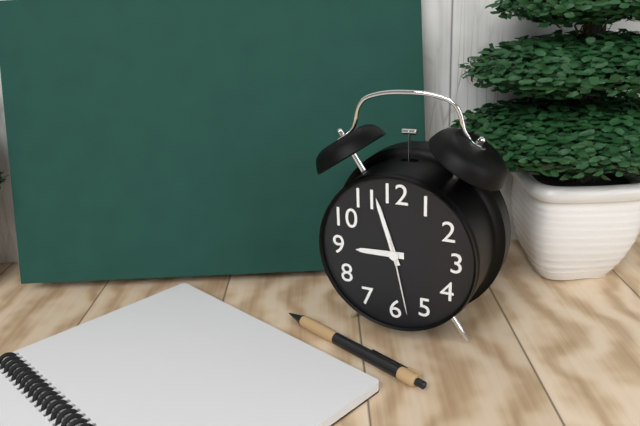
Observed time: 8:57:28
